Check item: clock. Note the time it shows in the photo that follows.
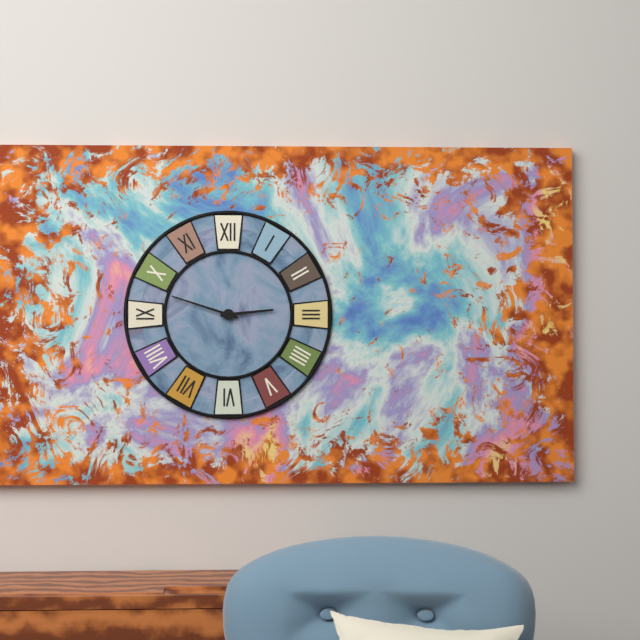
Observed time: 2:48
